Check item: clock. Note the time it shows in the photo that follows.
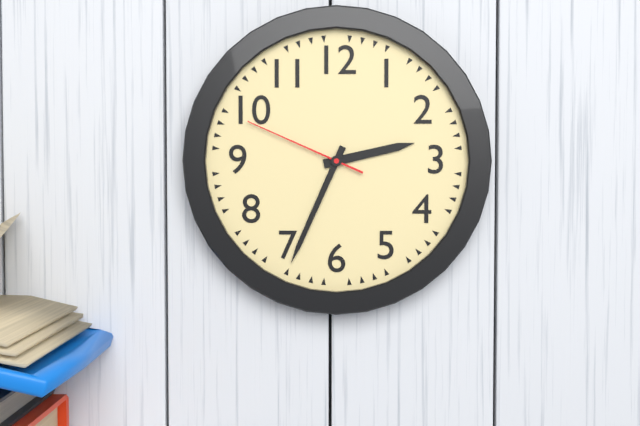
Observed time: 2:34:49
